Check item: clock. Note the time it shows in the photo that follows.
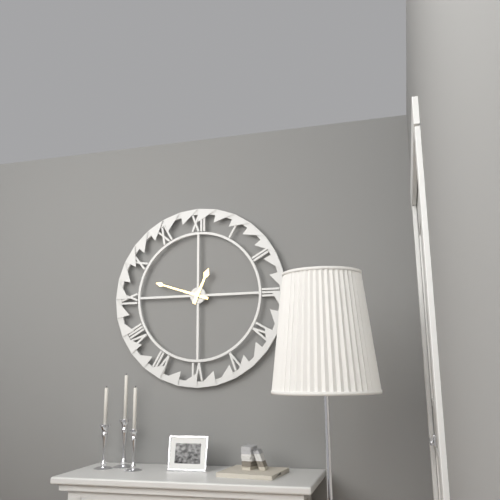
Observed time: 12:48
